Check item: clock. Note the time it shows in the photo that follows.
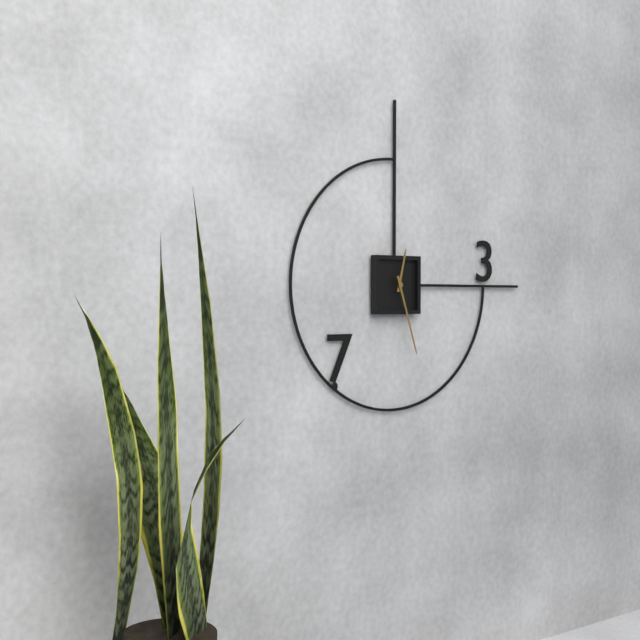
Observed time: 12:27
